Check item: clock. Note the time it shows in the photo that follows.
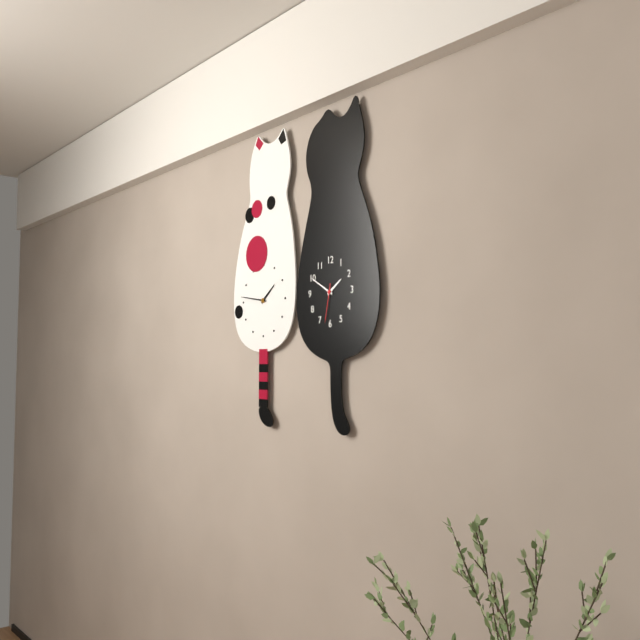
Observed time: 1:50
